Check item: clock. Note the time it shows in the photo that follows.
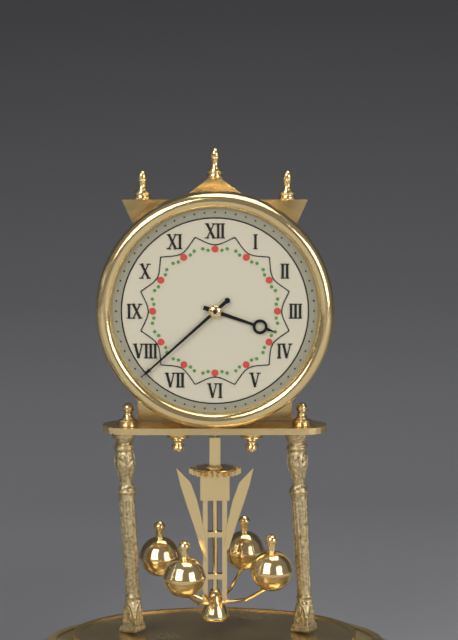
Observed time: 3:38
